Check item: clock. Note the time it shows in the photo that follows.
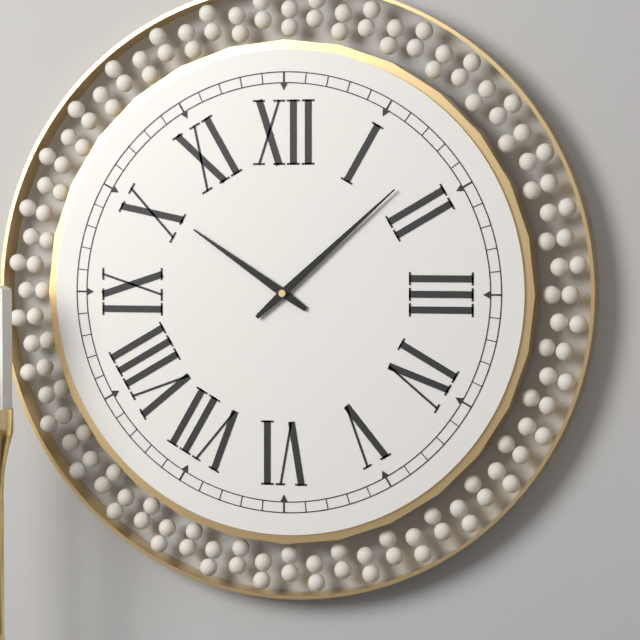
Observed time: 10:08
